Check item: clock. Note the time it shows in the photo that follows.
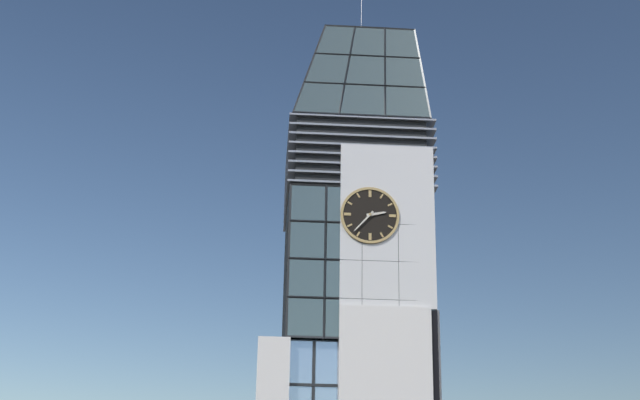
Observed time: 2:37
